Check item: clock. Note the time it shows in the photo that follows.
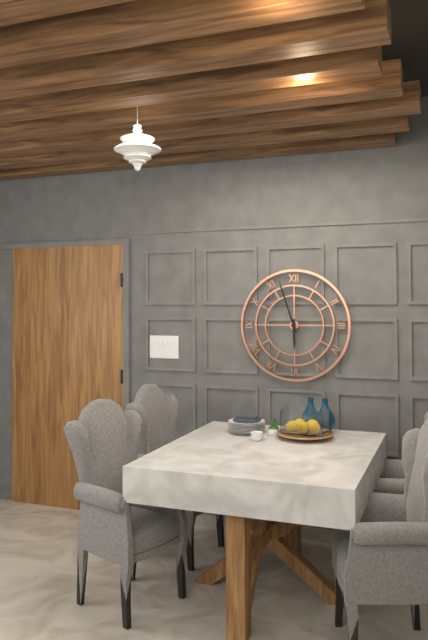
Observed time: 5:57
